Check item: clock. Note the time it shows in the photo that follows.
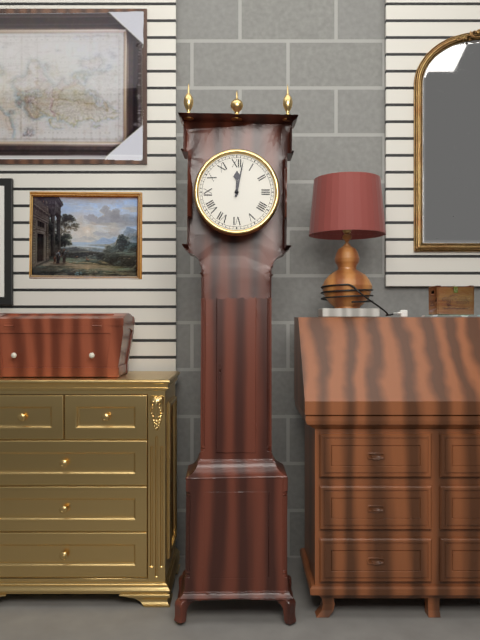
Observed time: 12:02
